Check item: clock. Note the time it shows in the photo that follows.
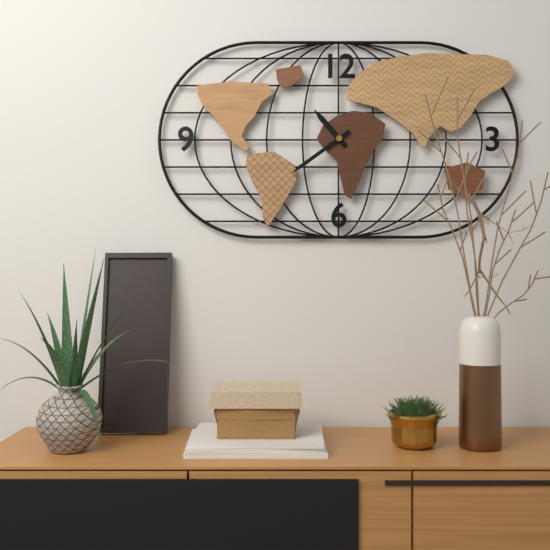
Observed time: 10:39
